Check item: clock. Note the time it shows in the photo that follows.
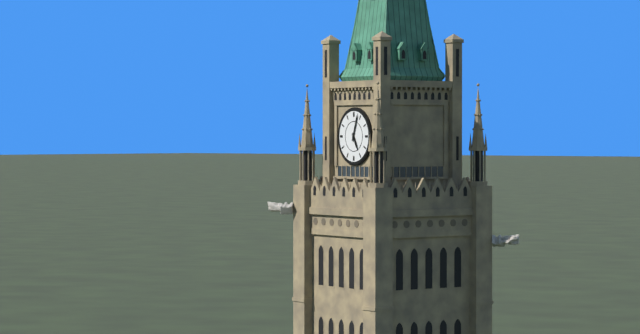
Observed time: 5:03
